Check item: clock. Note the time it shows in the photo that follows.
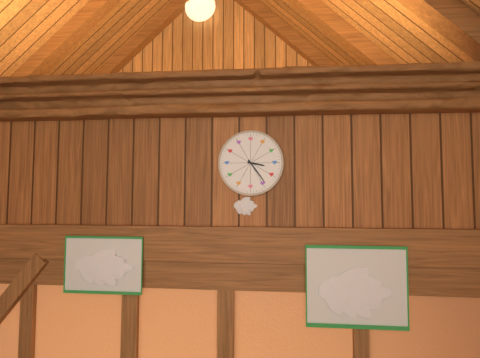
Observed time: 3:24
